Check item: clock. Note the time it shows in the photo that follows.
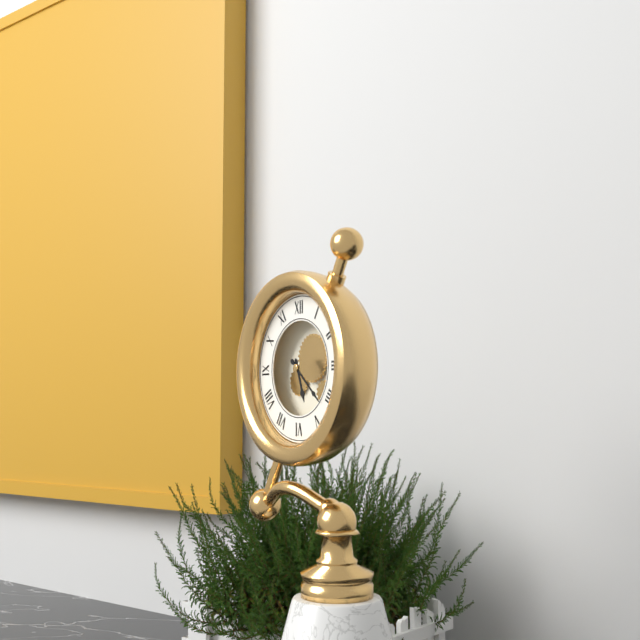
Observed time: 5:22
